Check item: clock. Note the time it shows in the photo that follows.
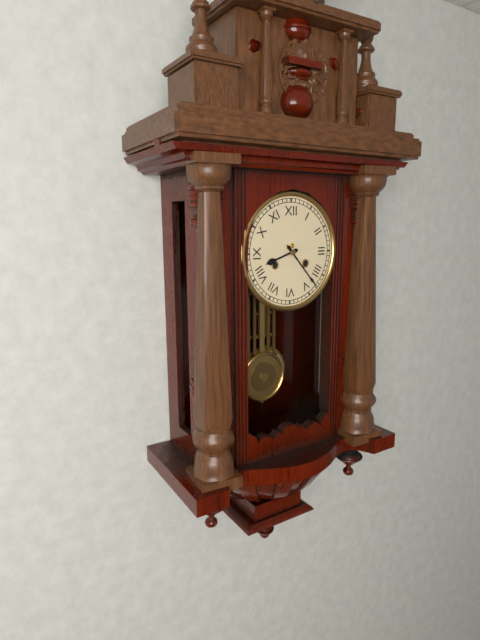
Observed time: 8:23
